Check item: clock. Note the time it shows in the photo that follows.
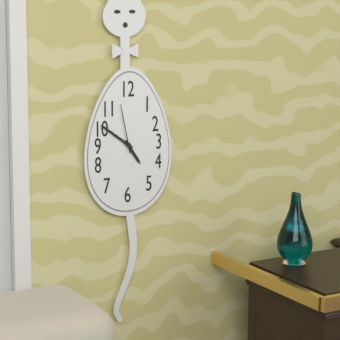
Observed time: 4:51:58
